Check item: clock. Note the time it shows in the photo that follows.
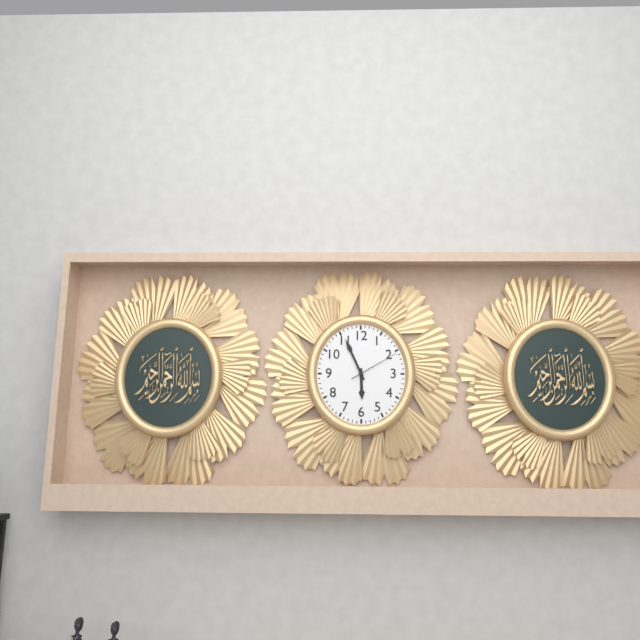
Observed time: 5:56:10
